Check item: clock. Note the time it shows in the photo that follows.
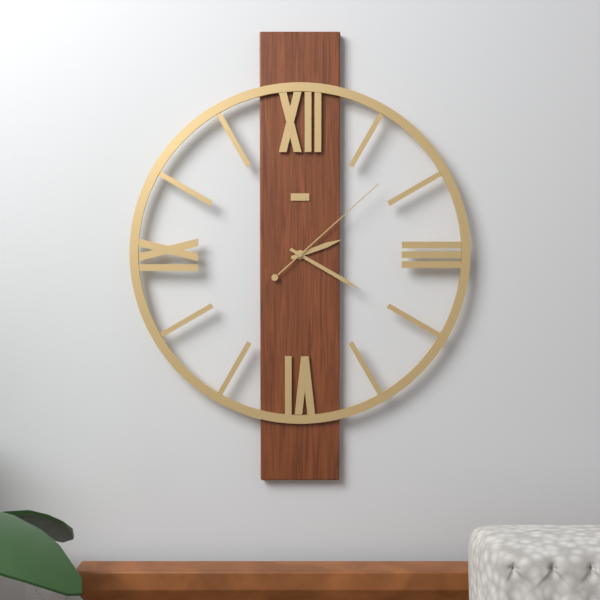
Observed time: 2:20:08
